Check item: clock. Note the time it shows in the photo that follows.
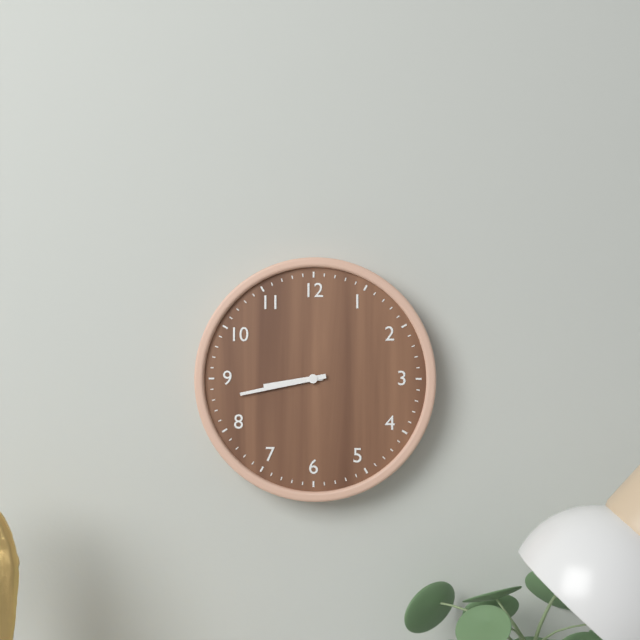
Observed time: 8:43
